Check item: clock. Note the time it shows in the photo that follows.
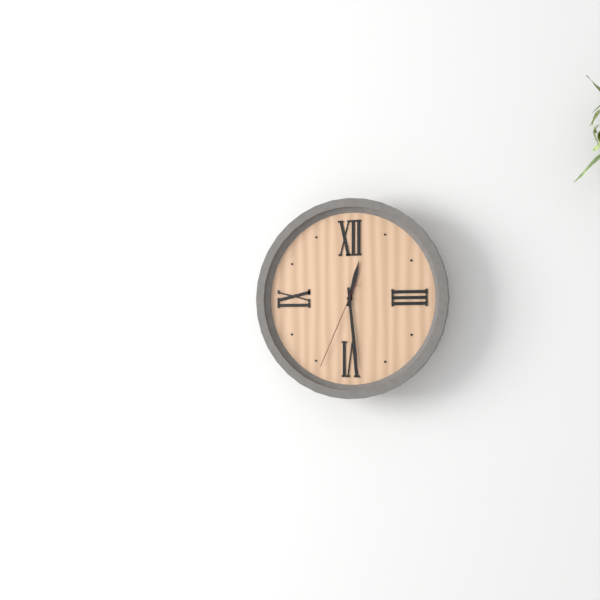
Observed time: 12:29:34
